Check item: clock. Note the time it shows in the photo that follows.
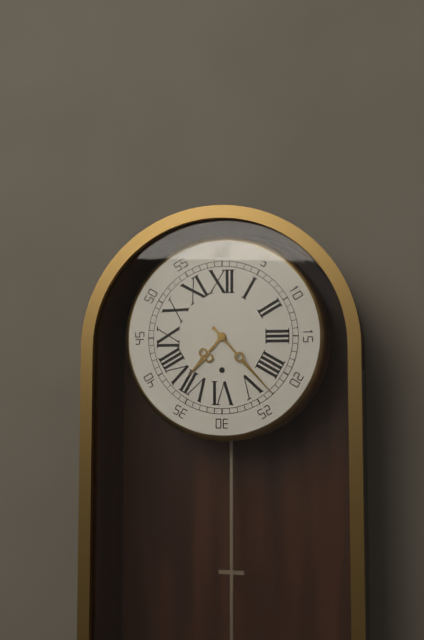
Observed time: 7:23
